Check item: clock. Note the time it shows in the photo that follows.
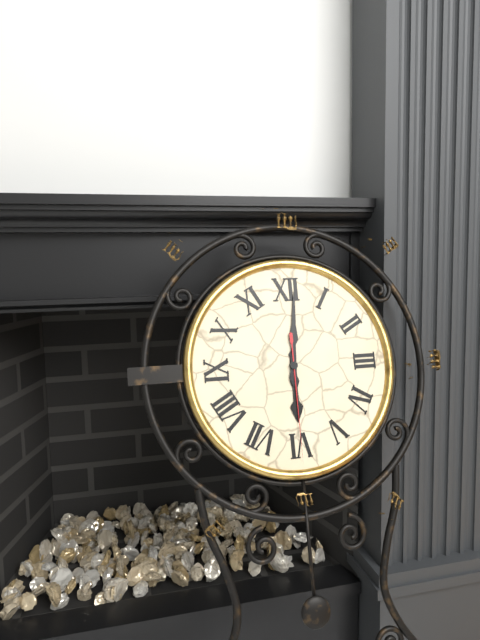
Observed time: 6:01:30
